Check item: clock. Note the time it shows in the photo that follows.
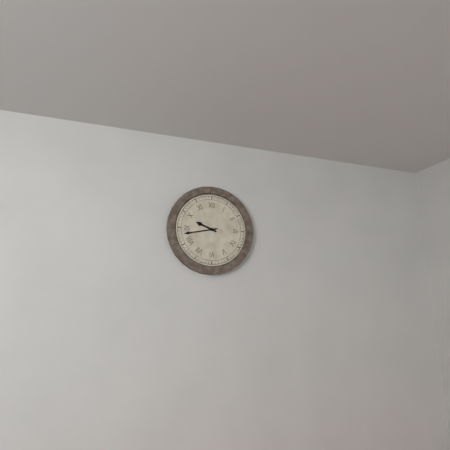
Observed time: 9:43
